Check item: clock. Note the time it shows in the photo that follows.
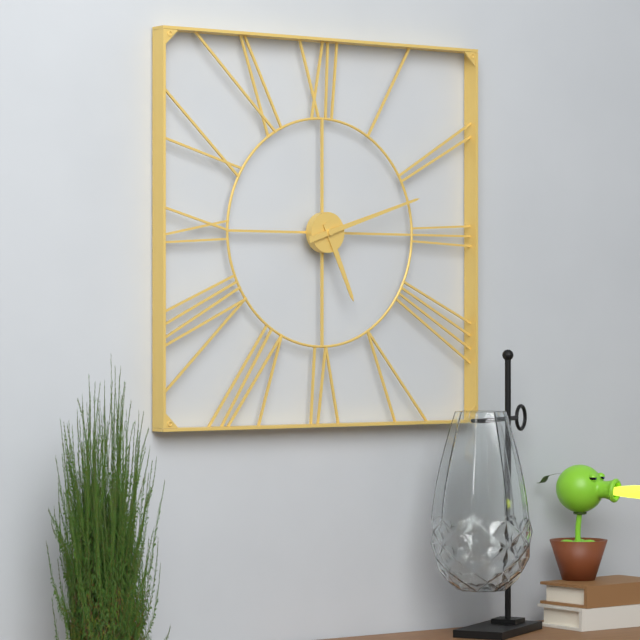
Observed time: 5:12
